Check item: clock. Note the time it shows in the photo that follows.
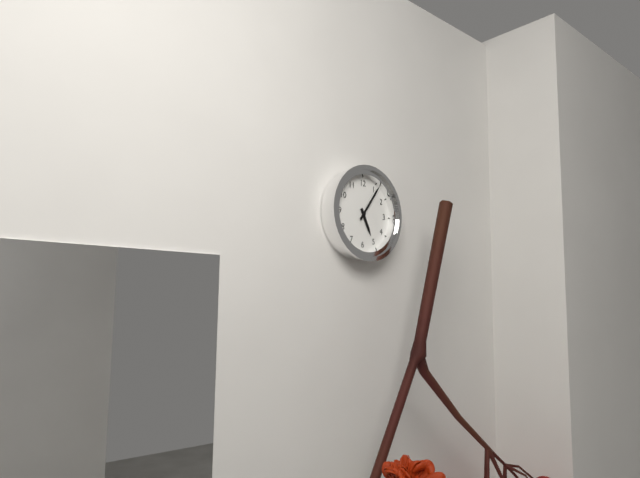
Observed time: 5:06
